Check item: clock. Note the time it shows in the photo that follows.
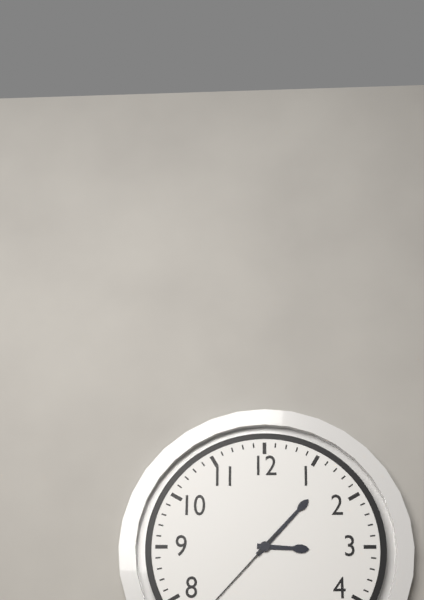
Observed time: 3:07
